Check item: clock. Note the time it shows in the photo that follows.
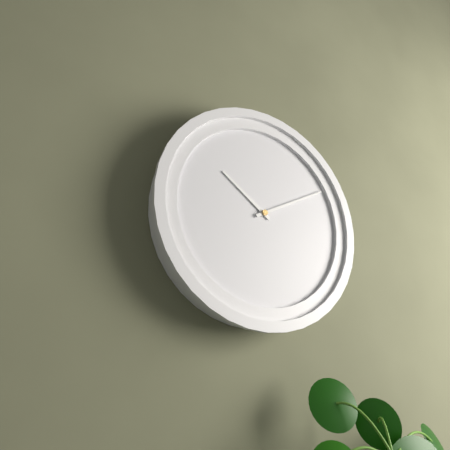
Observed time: 10:10
